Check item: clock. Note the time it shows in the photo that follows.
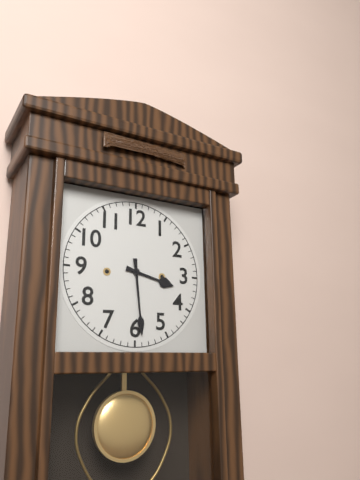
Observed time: 3:29
